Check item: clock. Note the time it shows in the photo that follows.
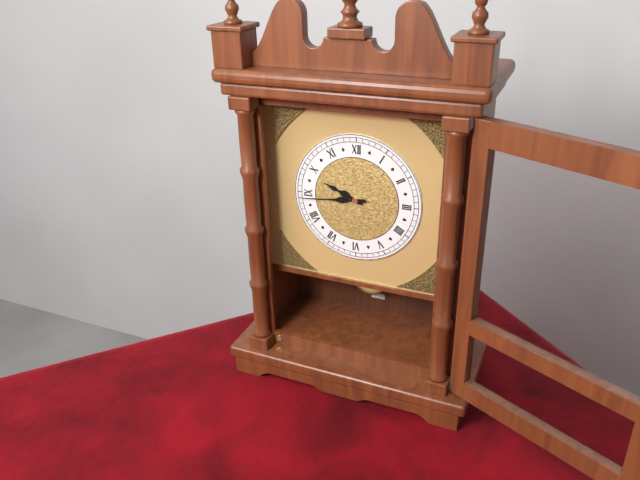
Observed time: 9:44
